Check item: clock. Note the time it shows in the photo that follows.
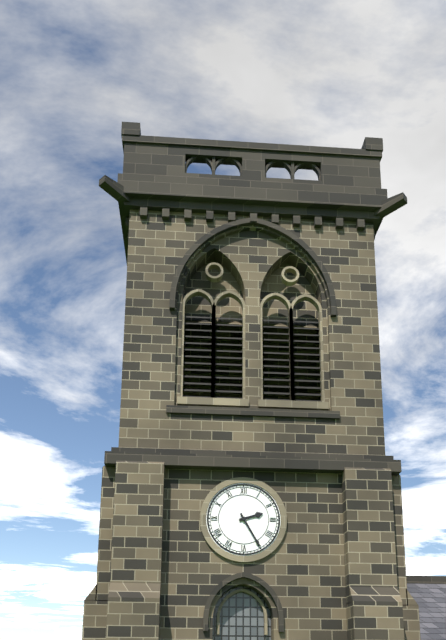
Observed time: 2:25
